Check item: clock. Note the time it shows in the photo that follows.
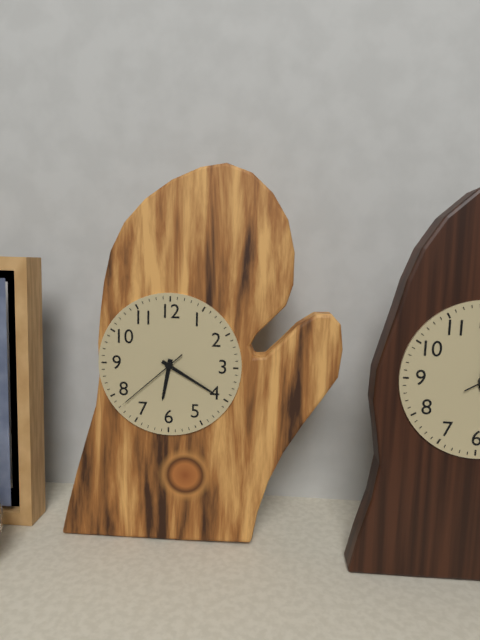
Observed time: 6:20:38
